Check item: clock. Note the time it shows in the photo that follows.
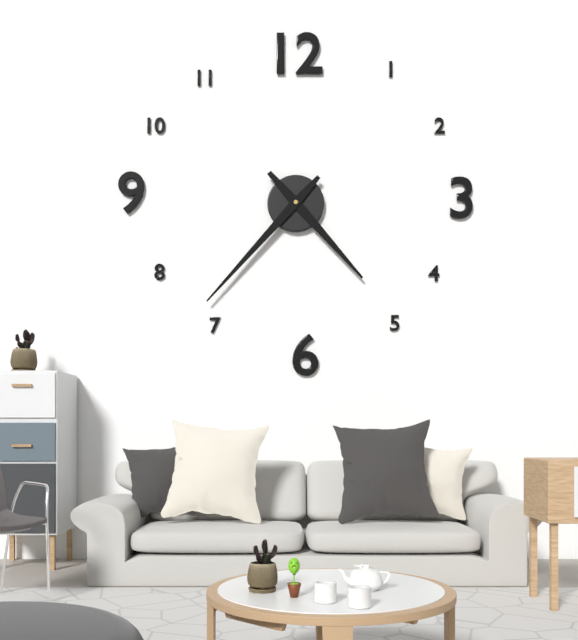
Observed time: 4:37
